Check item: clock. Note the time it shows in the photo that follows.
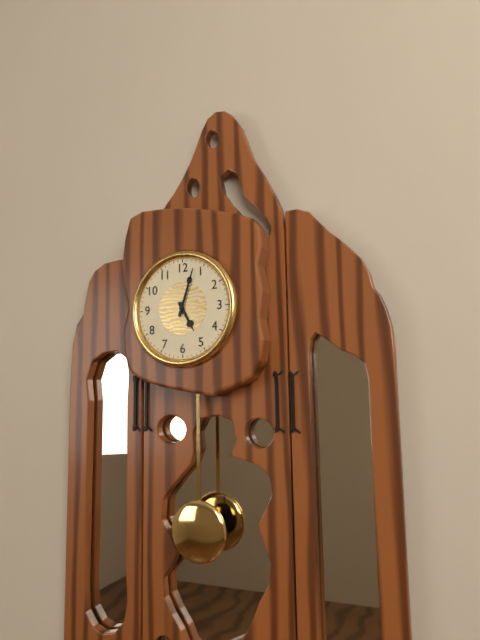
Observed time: 5:03
